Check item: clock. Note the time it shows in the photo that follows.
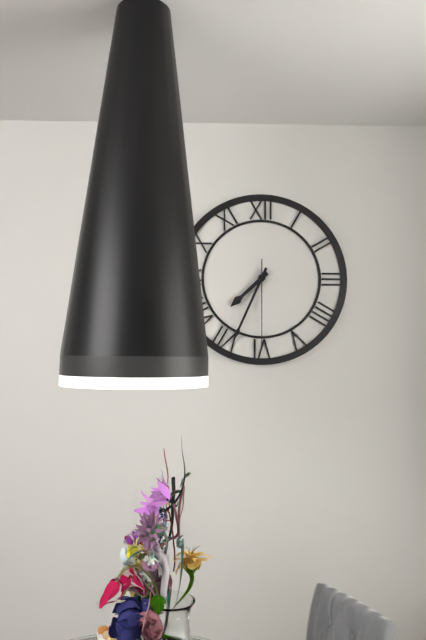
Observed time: 7:34:30
